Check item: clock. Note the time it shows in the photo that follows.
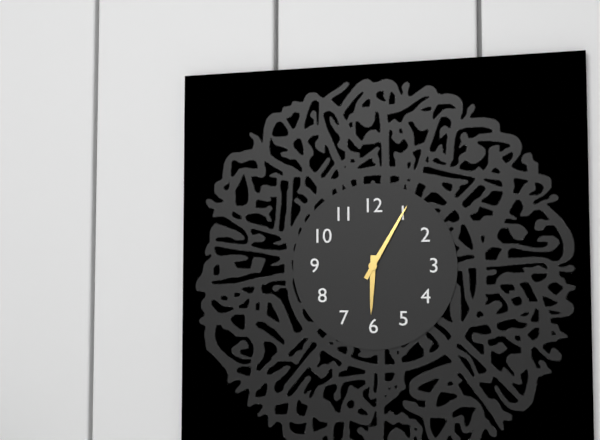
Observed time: 6:05
